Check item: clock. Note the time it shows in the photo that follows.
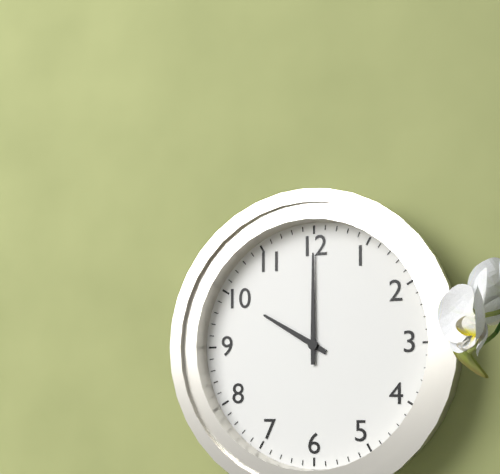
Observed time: 10:00
